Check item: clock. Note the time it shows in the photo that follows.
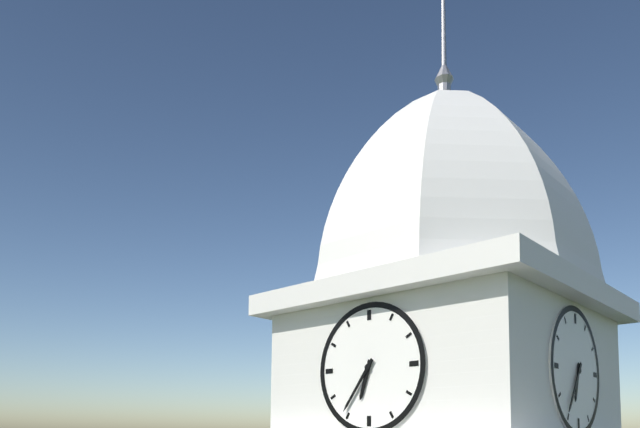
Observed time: 6:36
